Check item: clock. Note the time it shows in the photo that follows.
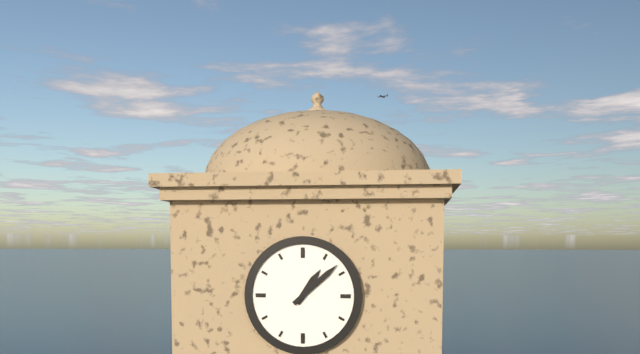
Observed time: 1:08
